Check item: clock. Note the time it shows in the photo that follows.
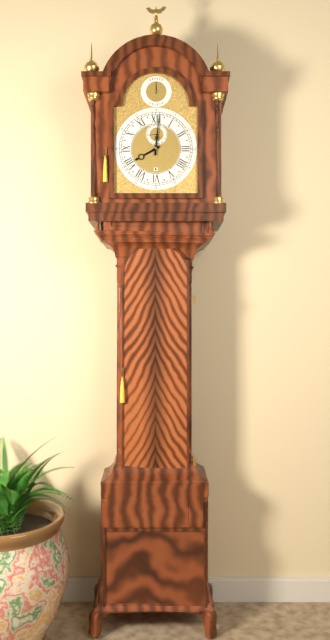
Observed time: 8:01
